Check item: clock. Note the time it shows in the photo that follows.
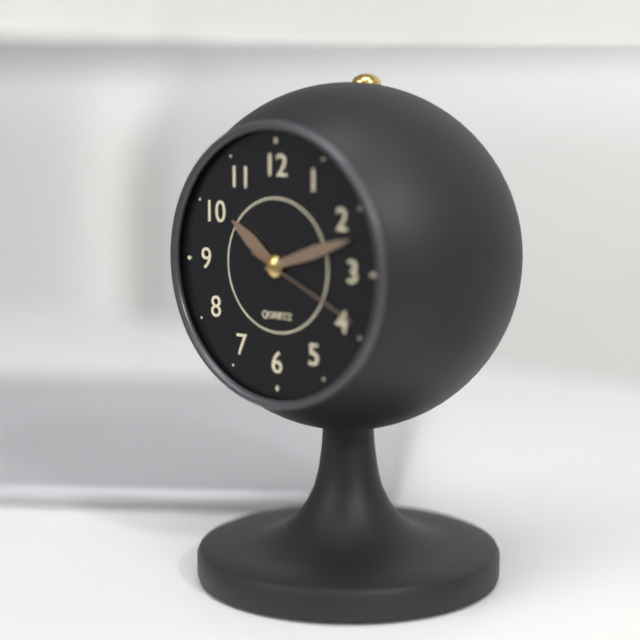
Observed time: 10:12:19
